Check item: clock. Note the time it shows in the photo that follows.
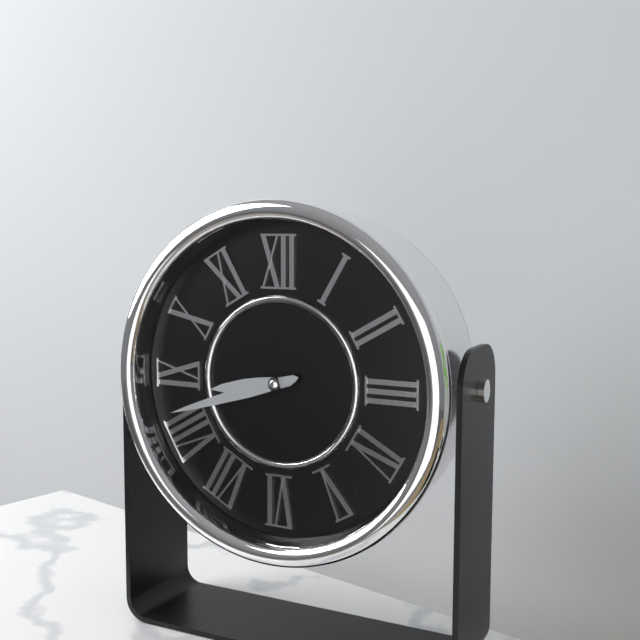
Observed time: 8:42
